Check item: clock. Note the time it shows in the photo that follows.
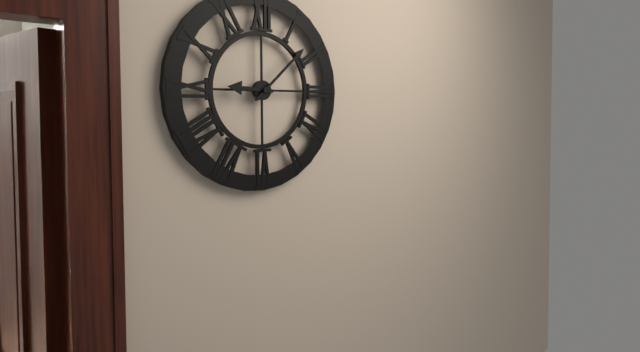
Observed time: 9:08
